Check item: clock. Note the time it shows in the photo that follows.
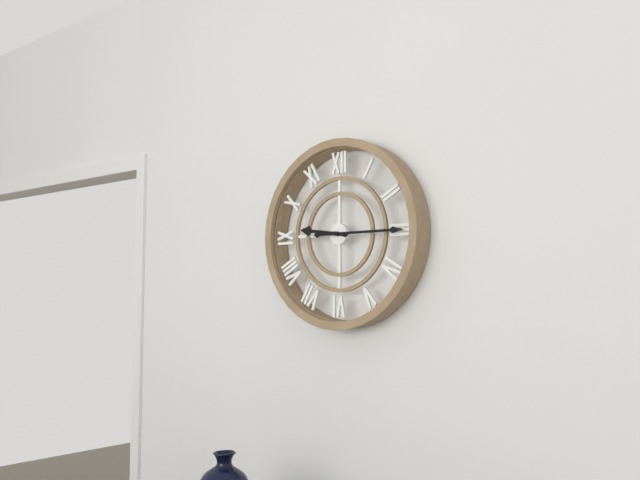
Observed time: 9:15
